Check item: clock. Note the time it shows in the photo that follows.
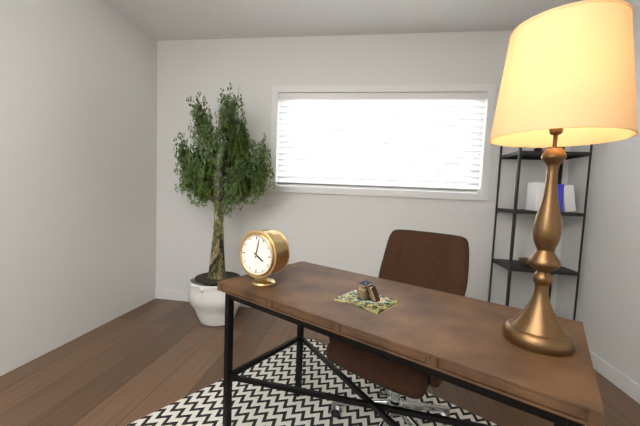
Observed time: 4:02
